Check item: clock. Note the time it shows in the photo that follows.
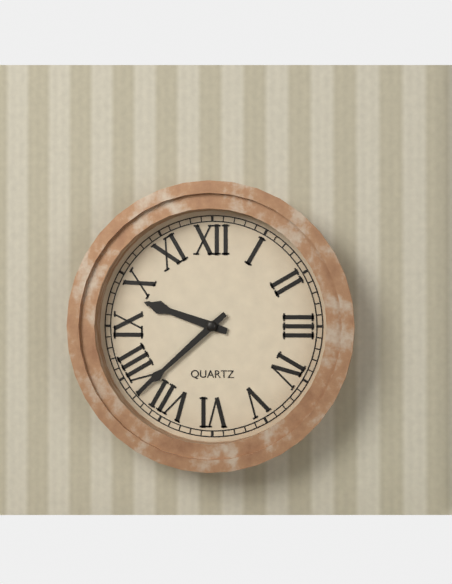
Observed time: 9:38
